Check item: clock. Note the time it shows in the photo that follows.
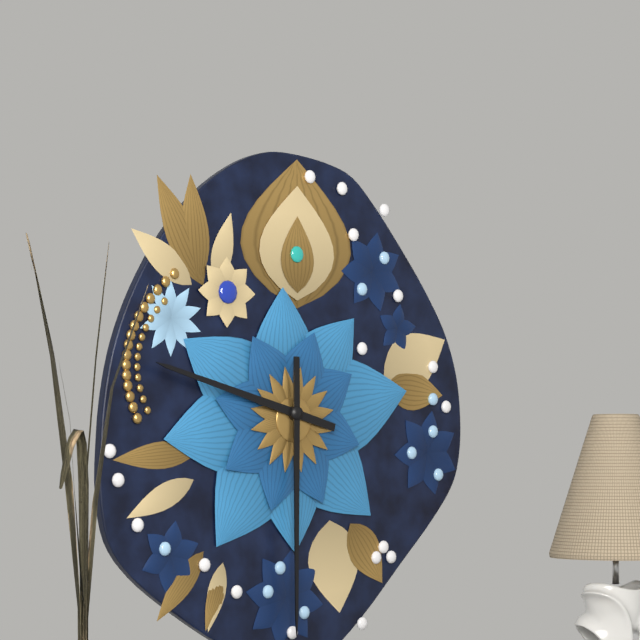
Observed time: 9:30
